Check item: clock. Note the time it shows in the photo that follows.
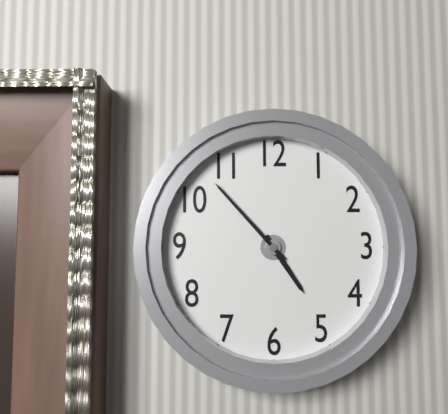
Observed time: 4:53
